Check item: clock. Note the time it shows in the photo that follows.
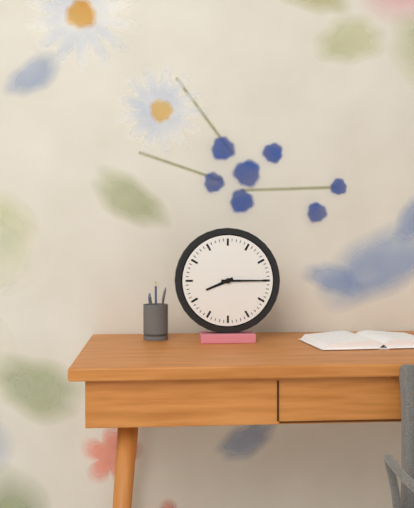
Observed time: 8:15
